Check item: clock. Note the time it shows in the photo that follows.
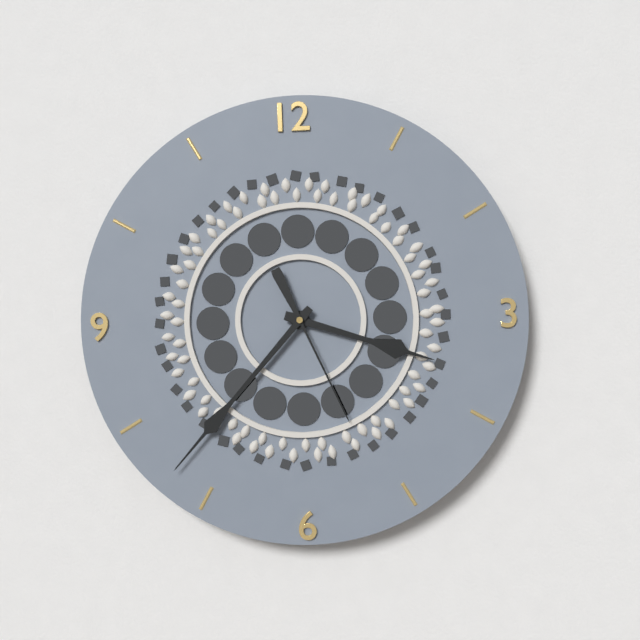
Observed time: 3:37:26
